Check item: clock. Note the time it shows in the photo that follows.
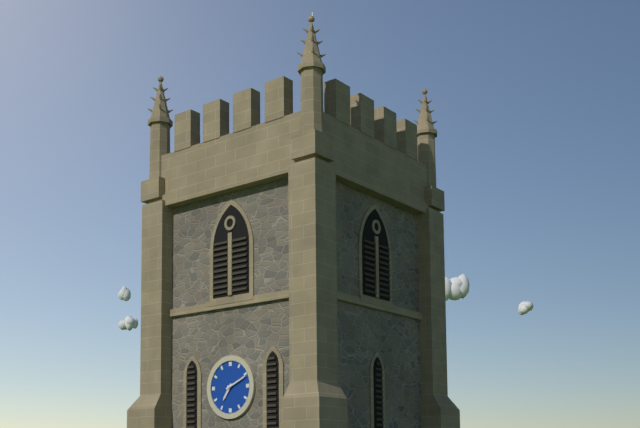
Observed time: 7:11
